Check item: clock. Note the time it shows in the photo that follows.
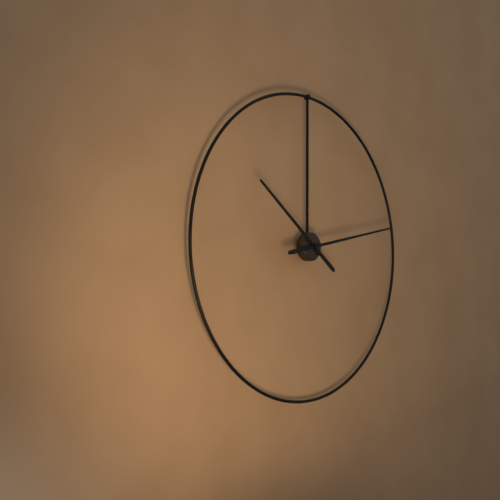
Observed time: 10:13
